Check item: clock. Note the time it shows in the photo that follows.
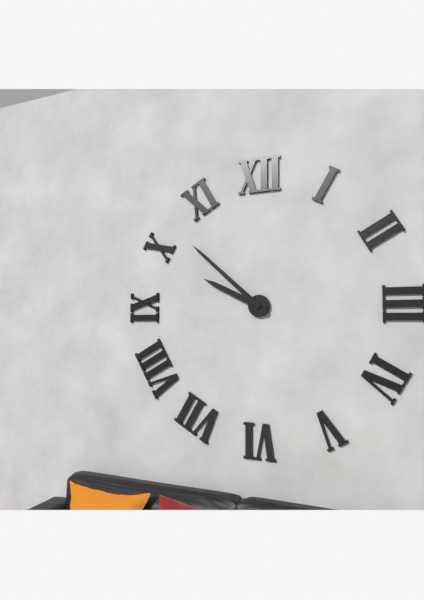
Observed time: 9:52
